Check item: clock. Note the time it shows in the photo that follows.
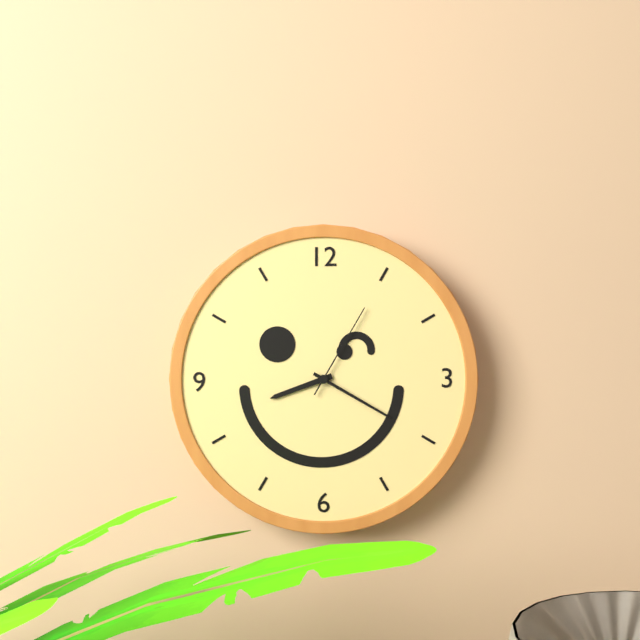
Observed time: 8:20:05
